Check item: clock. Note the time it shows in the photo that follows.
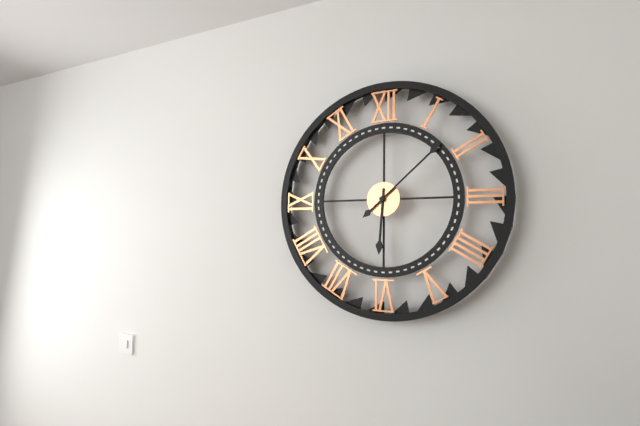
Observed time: 6:08
